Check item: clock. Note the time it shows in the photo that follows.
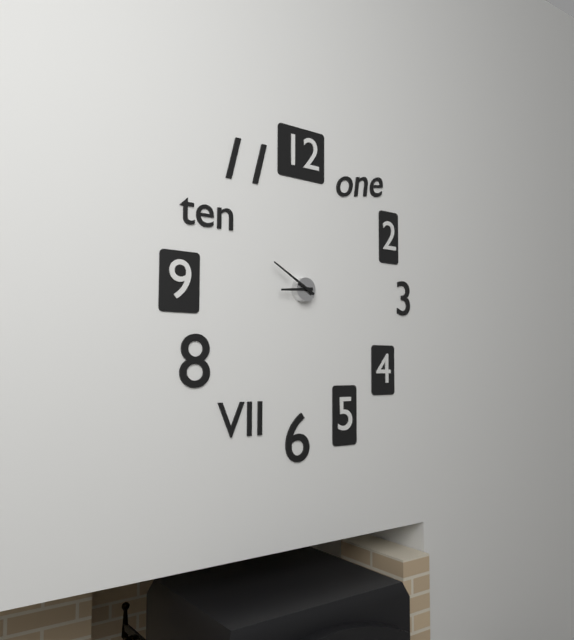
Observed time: 8:50
